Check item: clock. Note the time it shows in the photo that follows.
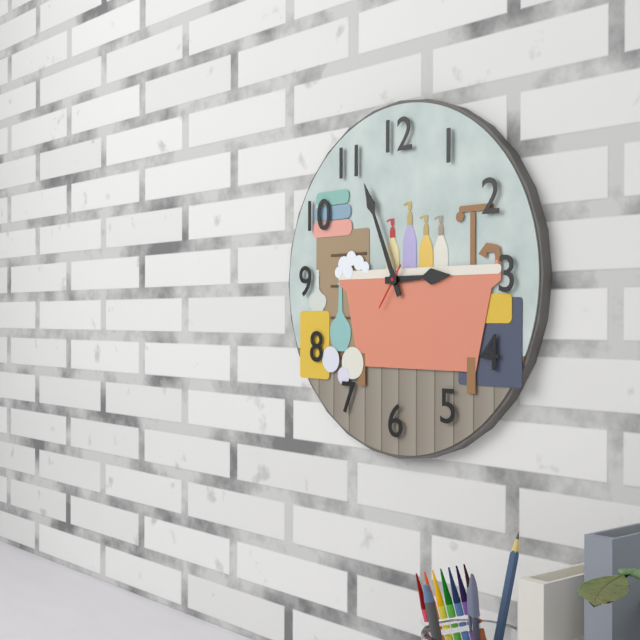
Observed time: 2:56
